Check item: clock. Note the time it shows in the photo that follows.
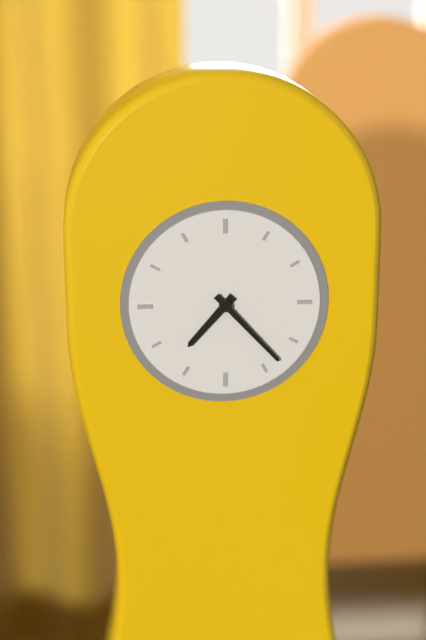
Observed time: 7:23
